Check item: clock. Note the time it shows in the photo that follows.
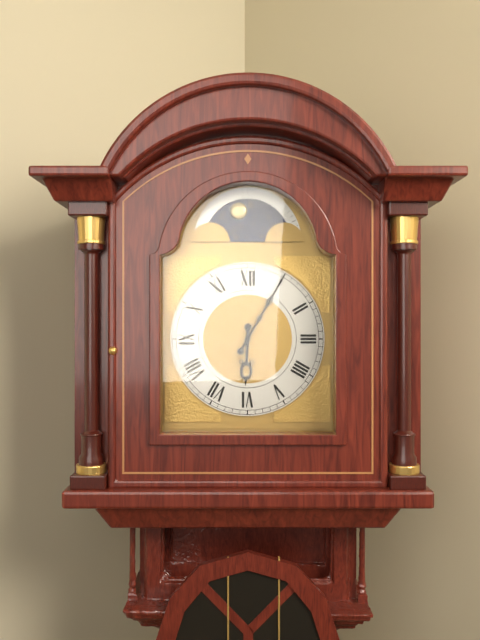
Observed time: 6:05
